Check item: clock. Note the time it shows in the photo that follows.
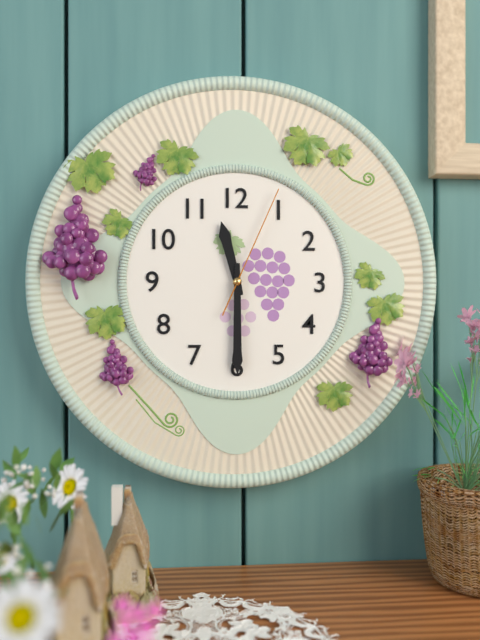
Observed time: 11:30:04
